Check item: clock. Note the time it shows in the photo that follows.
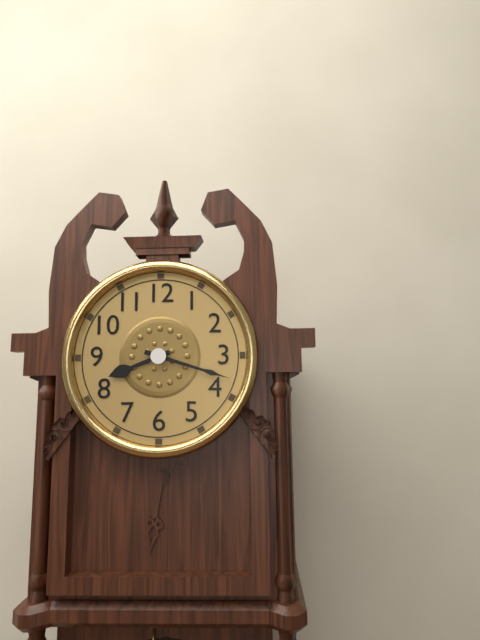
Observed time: 8:18
